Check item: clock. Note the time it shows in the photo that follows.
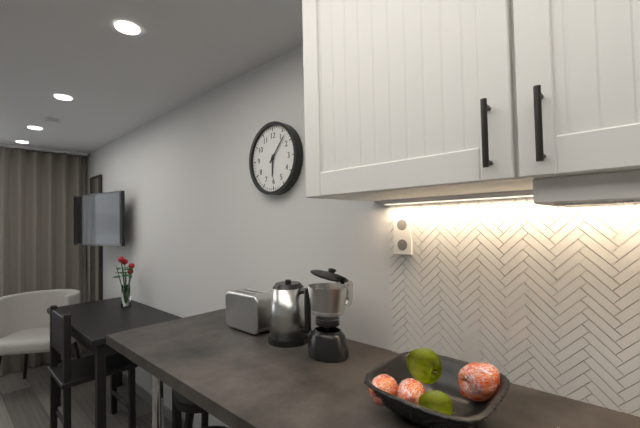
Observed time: 6:07
